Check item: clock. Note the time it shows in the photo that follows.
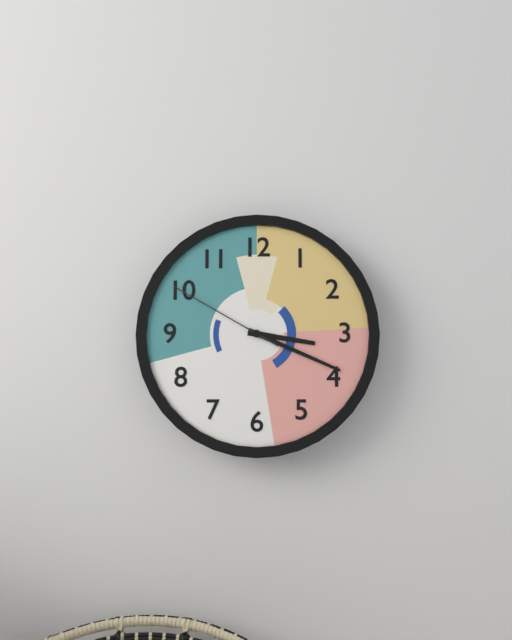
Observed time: 3:19:50
